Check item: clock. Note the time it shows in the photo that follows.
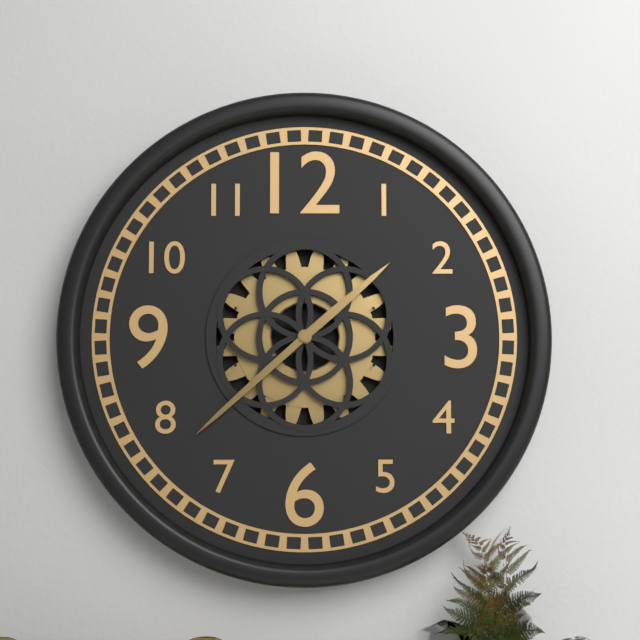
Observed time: 1:38
